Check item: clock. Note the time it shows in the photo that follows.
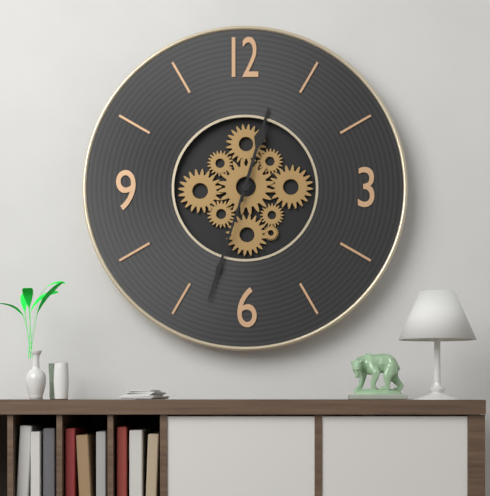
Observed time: 12:33
